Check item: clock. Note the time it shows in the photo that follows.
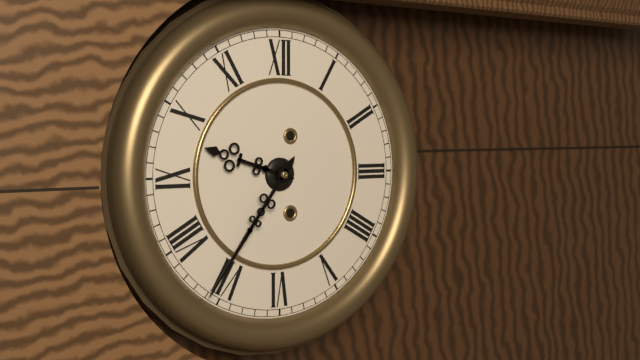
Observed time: 9:36
